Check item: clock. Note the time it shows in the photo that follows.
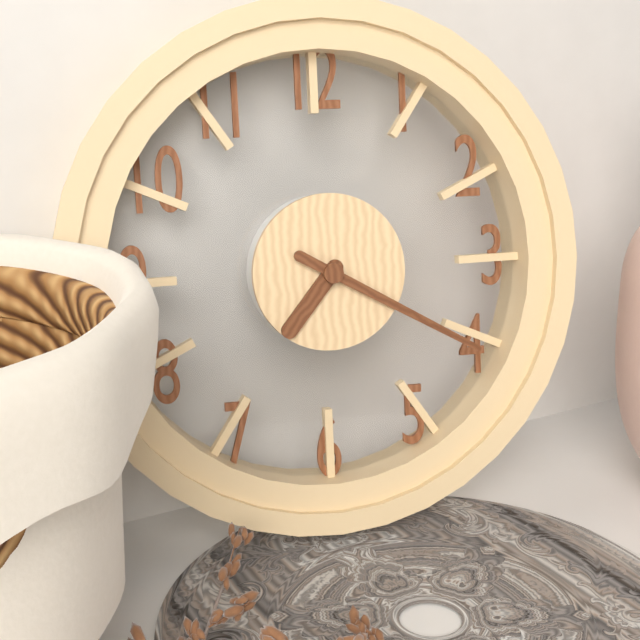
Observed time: 7:20
